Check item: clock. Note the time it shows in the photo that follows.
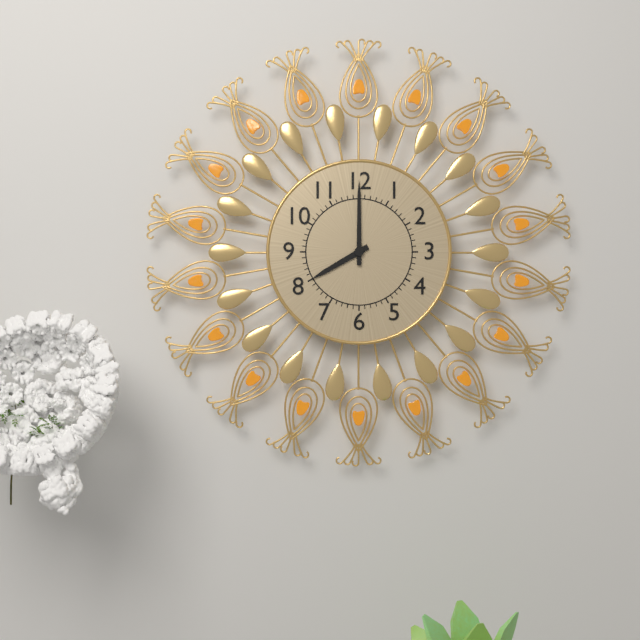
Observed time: 8:00
